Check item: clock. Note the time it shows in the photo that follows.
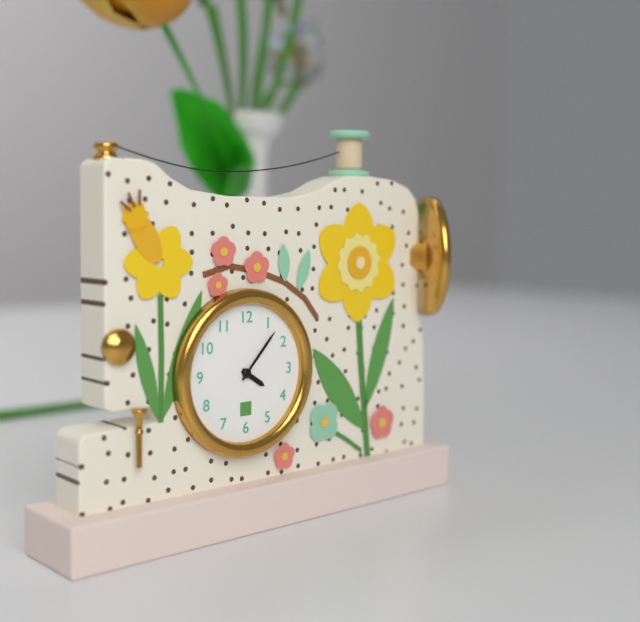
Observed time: 4:07
